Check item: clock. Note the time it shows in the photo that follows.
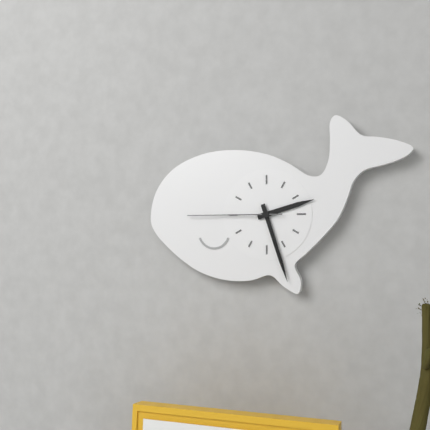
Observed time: 2:27:45
